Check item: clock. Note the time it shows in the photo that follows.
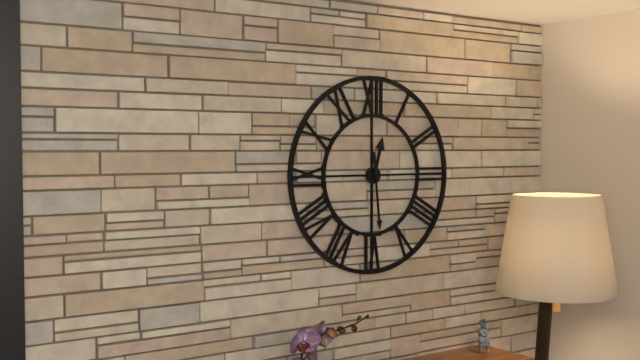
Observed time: 12:29
